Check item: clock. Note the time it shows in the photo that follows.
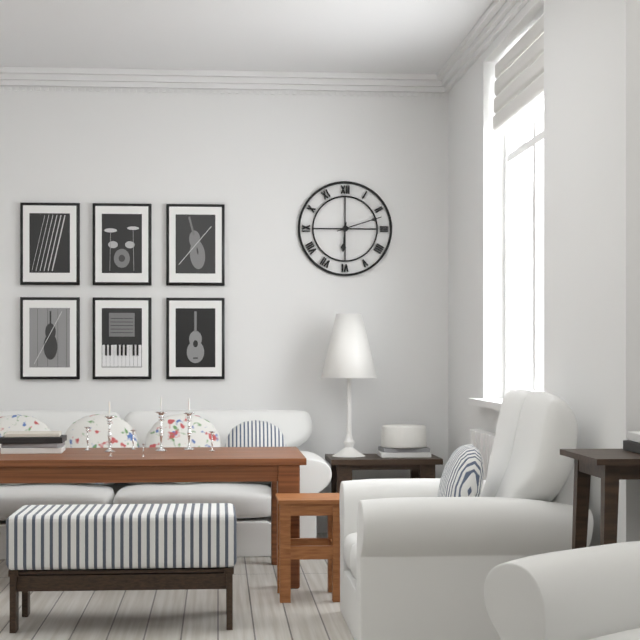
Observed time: 6:12
